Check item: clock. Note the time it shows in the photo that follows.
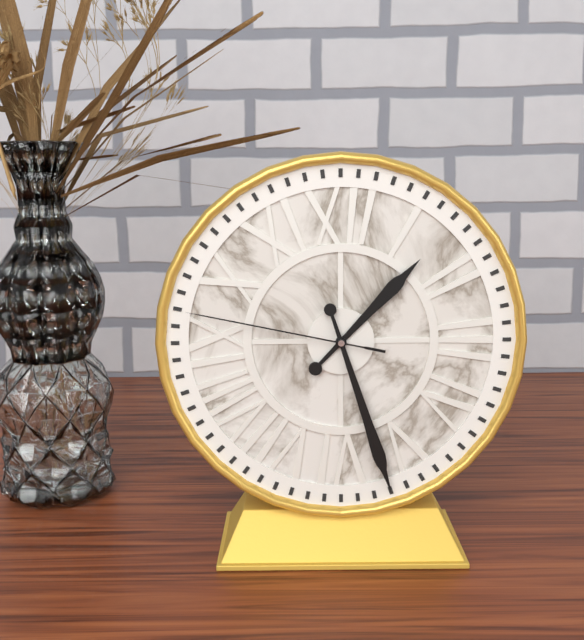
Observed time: 1:27:47
